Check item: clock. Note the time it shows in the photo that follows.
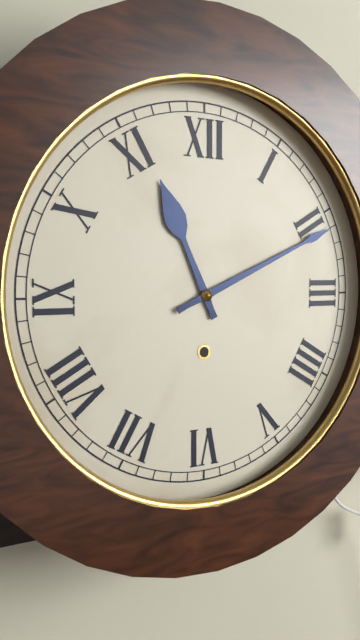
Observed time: 11:11
